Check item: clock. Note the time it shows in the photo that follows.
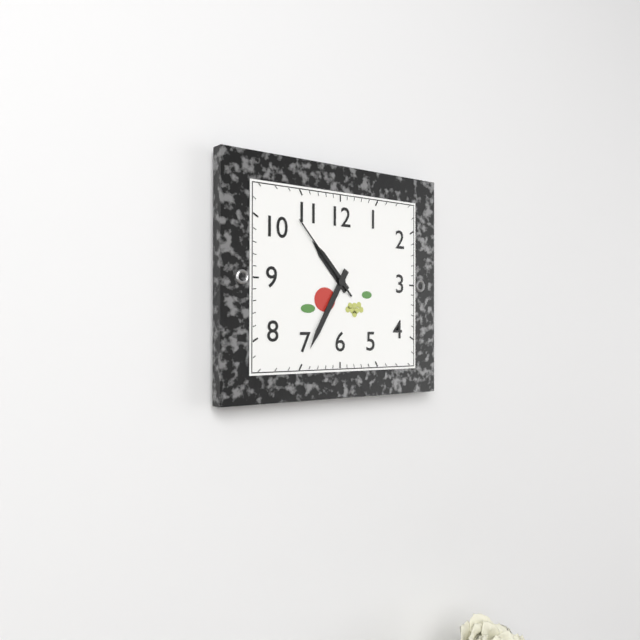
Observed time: 10:35:53
